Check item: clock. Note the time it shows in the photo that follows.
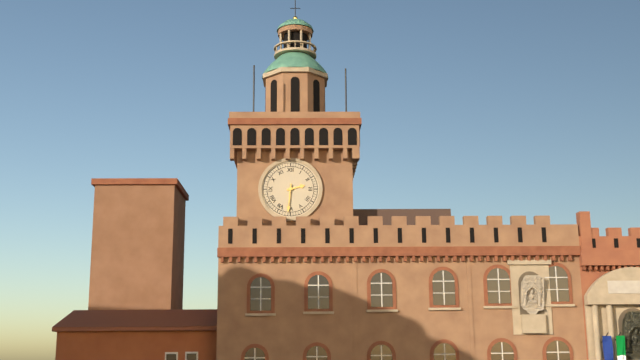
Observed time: 2:31
